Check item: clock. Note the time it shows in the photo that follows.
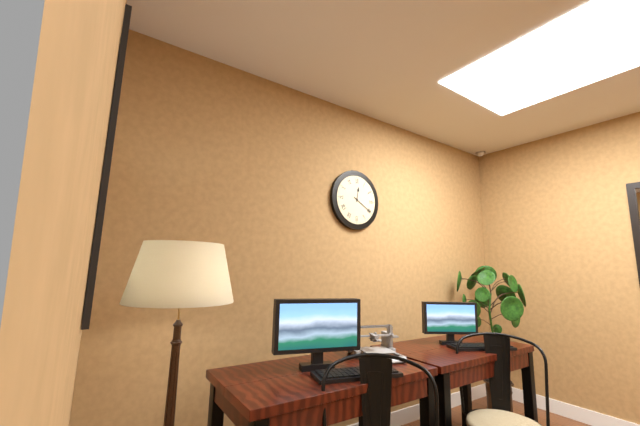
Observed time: 12:20
